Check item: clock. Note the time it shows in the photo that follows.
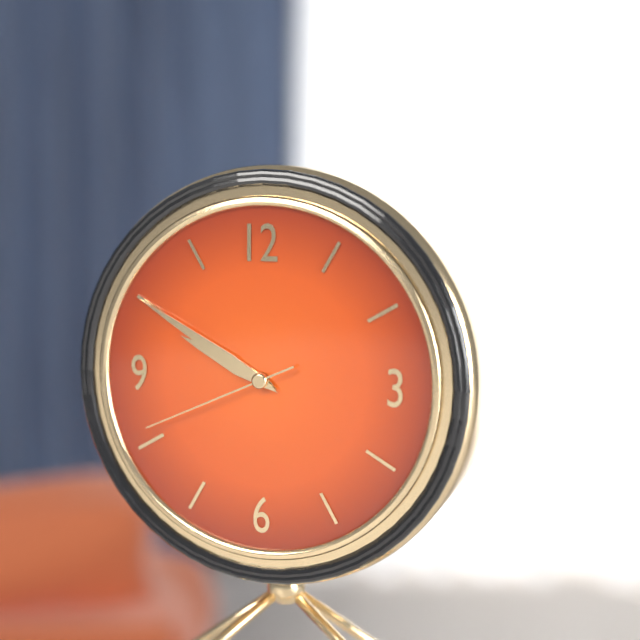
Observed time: 9:50:41
